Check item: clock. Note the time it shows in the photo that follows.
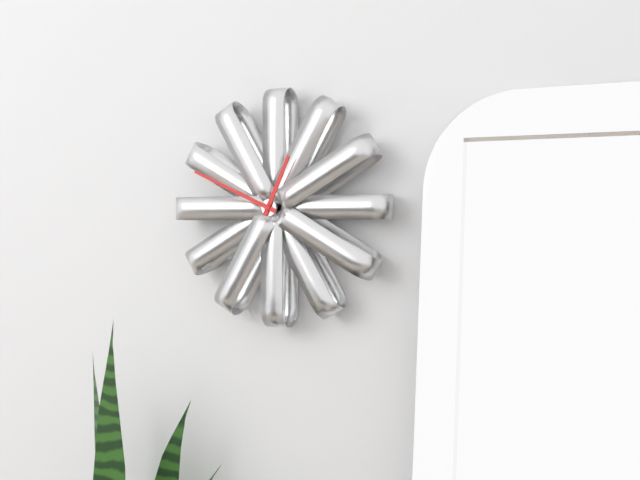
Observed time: 12:49
